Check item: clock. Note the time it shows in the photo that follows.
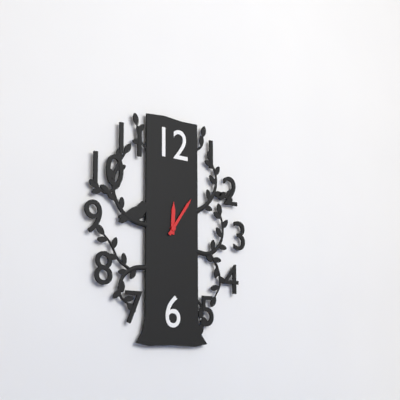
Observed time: 12:06
